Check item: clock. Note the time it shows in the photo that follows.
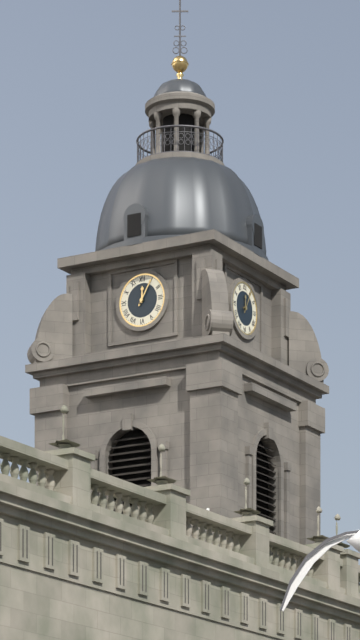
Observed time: 12:05
